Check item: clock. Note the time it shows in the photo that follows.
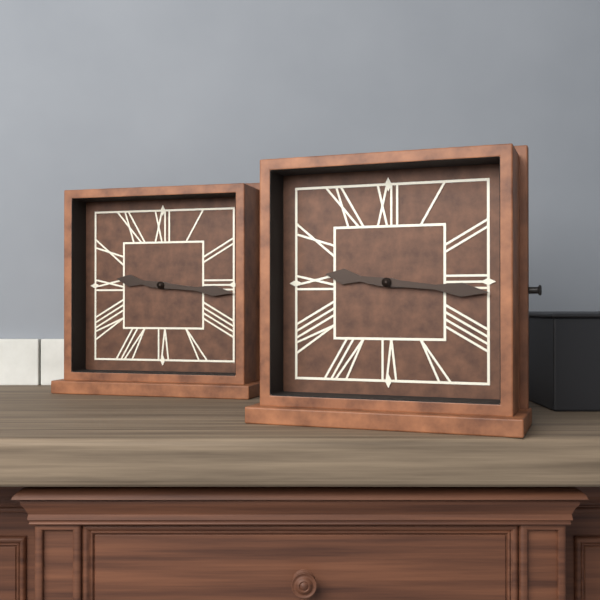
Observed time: 9:16
